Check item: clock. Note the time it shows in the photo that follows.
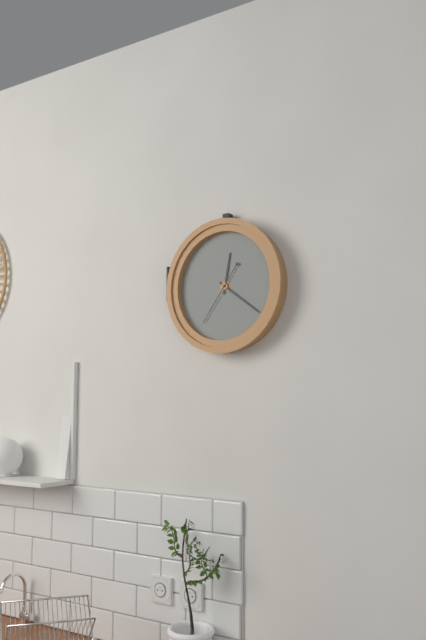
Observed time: 12:21:36
